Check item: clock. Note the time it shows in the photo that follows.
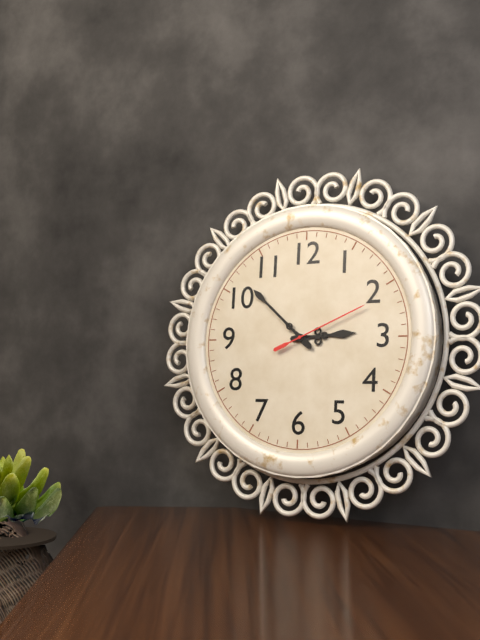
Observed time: 2:52:11
